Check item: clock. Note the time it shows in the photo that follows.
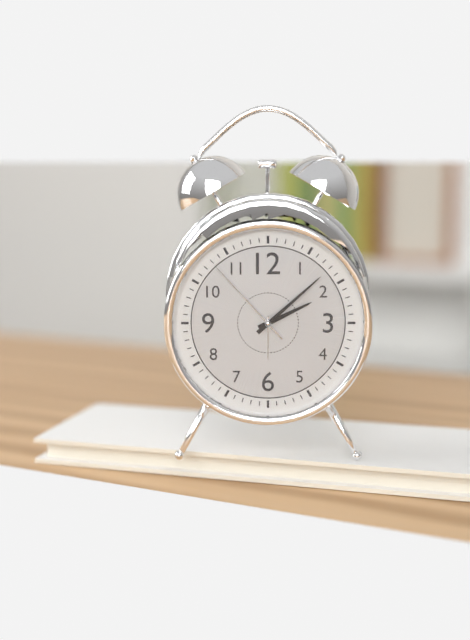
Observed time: 2:08:53
